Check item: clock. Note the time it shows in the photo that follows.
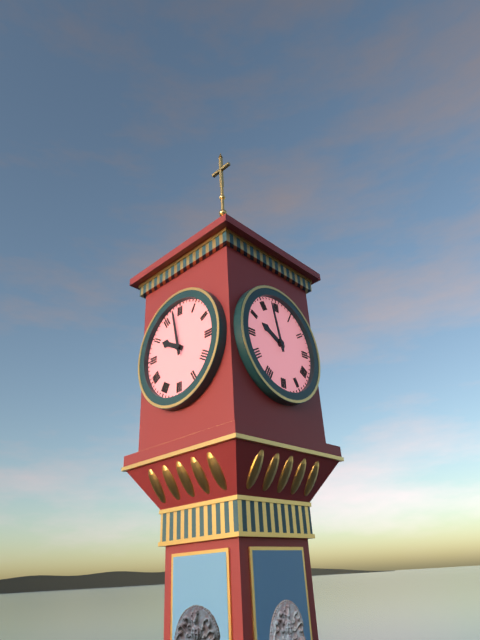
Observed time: 9:58
